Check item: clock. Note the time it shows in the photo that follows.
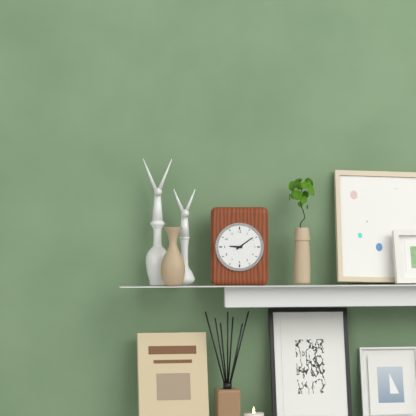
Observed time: 9:09
